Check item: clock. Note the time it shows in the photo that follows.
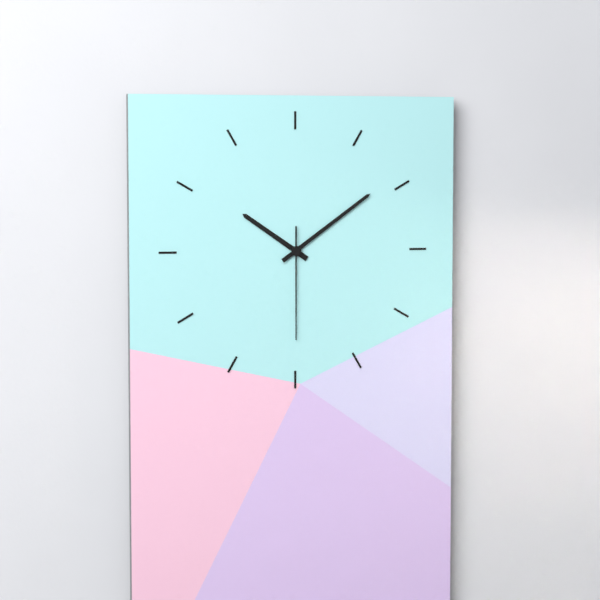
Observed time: 10:09:30
